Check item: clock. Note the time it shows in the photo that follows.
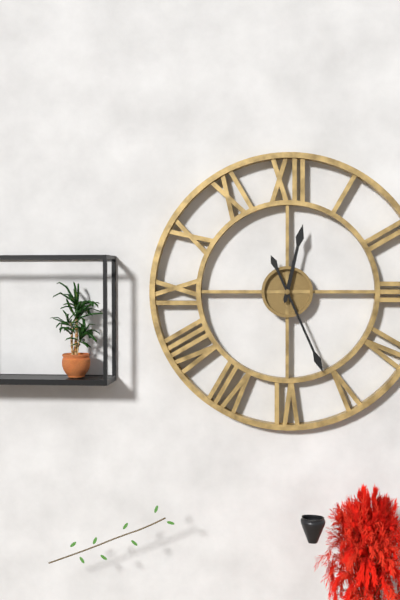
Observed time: 12:26
